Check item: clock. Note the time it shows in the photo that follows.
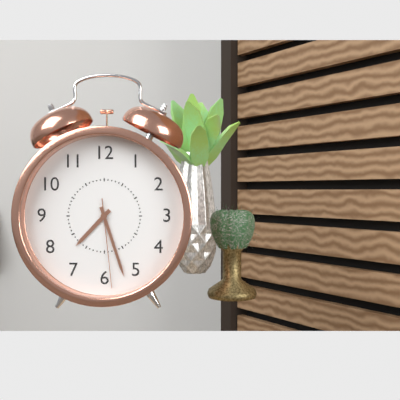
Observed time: 7:27:29
